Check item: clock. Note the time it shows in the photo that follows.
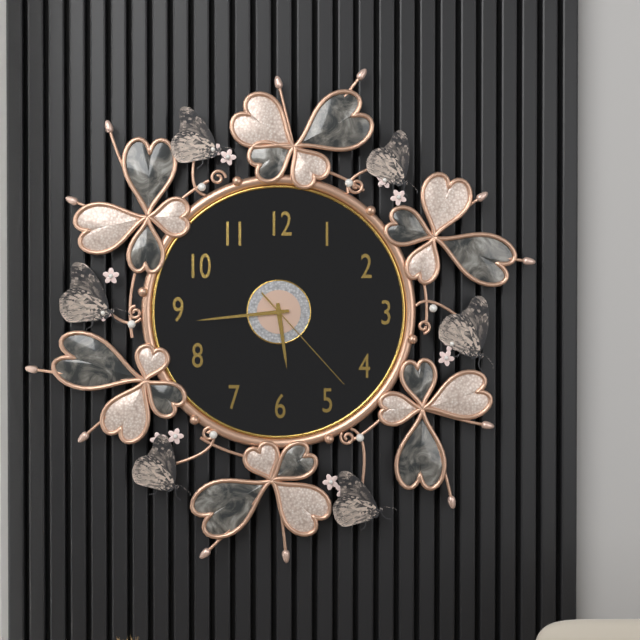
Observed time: 5:44:23
